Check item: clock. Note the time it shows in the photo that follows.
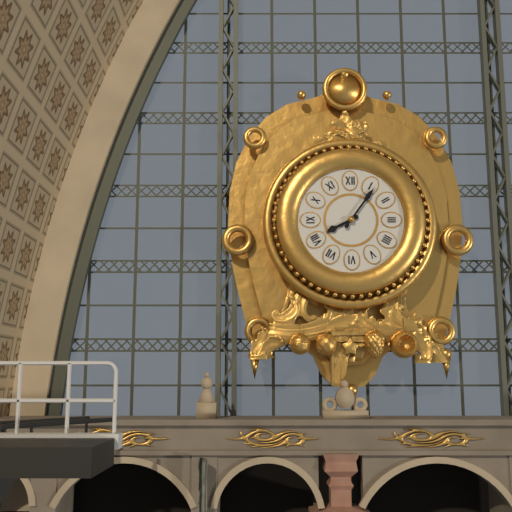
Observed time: 8:06
